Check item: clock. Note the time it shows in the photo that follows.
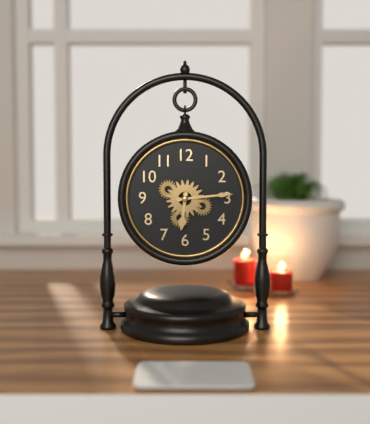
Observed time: 6:14
